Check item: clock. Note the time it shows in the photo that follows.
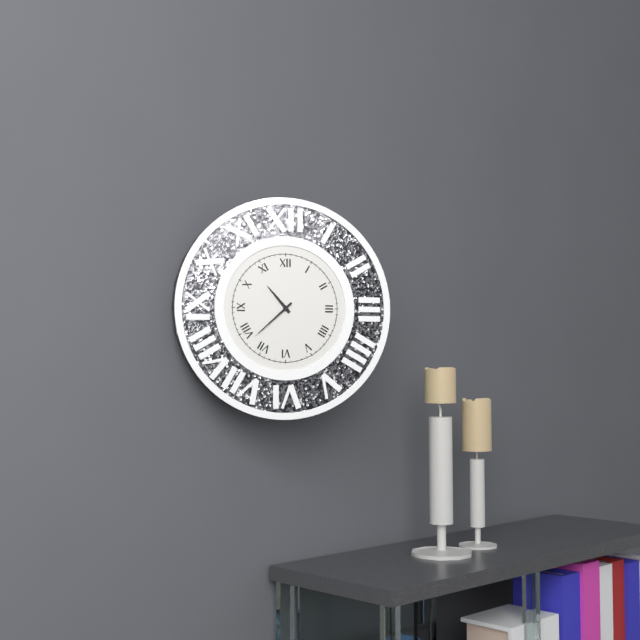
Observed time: 10:38
